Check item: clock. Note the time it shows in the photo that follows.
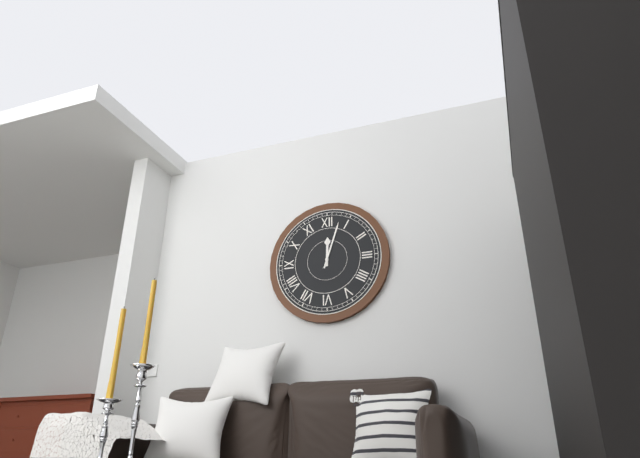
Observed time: 12:03
